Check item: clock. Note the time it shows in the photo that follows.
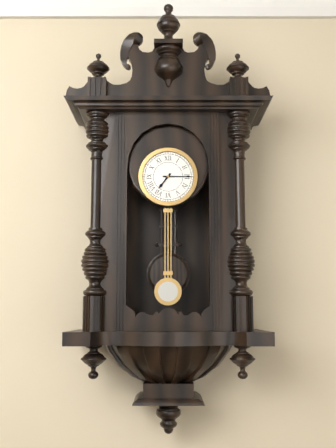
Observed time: 7:15
